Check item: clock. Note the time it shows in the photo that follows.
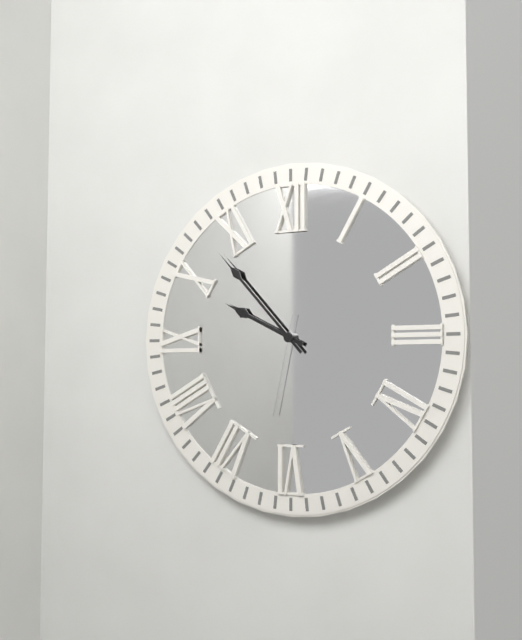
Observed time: 9:53:32
